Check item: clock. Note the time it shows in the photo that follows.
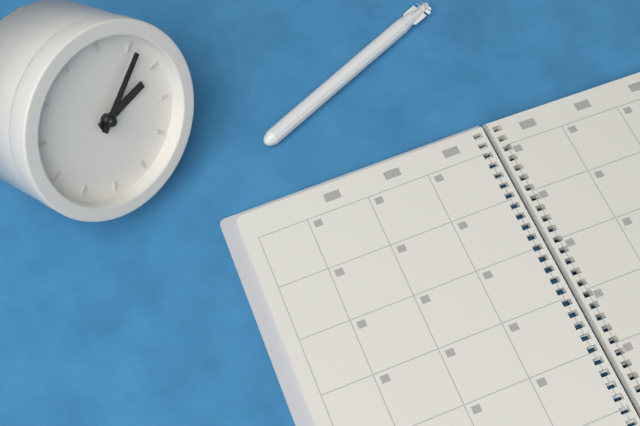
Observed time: 2:06
